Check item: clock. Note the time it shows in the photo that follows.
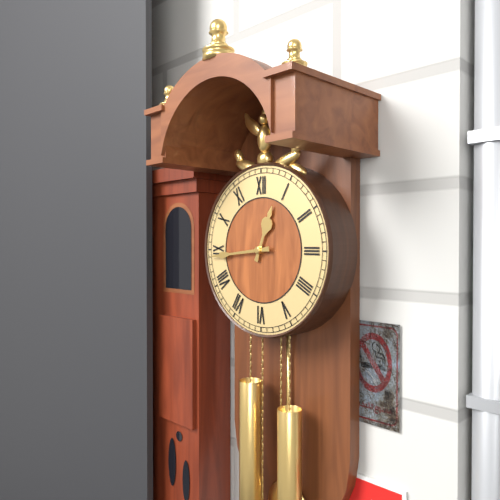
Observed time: 12:44
